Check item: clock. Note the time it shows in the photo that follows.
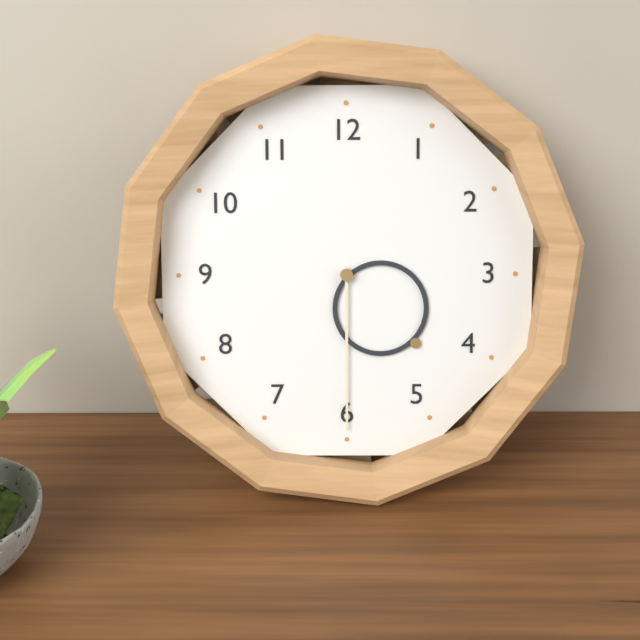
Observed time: 4:30
